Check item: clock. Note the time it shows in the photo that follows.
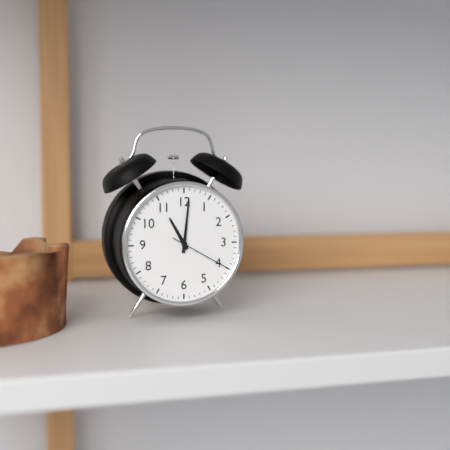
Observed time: 11:01:20
